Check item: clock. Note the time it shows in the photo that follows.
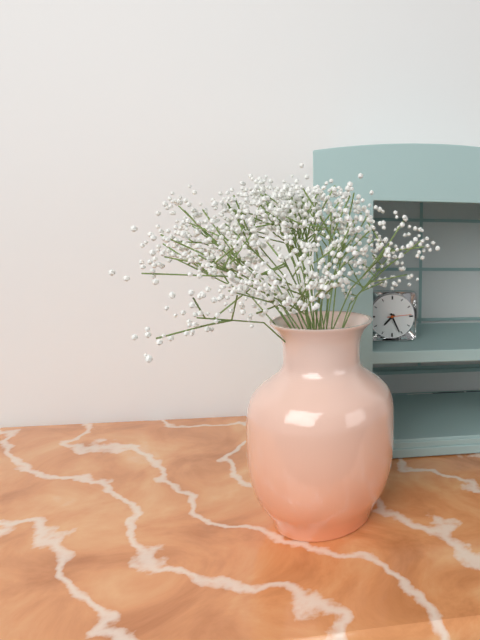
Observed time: 7:26
